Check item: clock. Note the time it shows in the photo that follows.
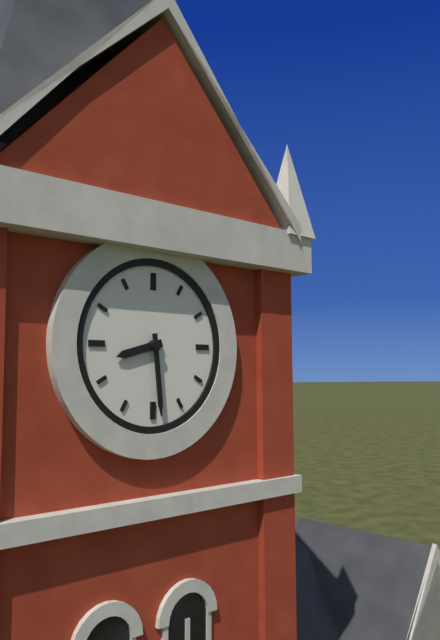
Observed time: 8:29
